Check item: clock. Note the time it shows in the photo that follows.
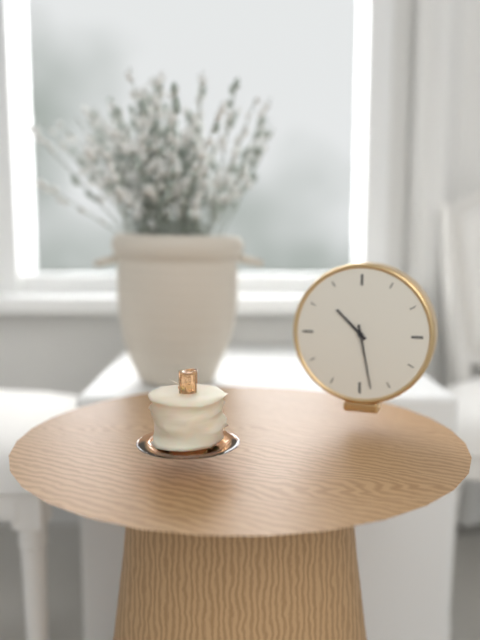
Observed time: 10:28
